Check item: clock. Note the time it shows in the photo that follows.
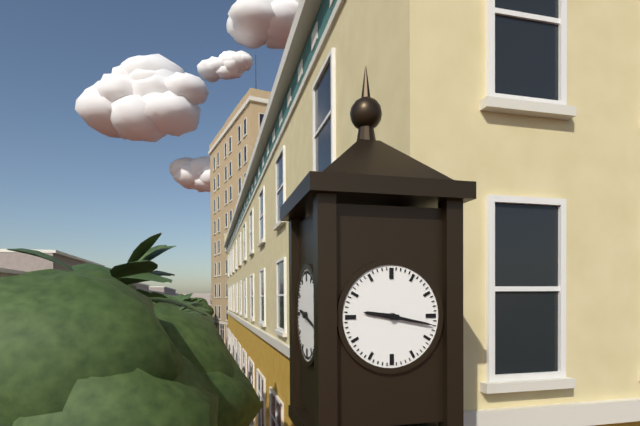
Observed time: 9:17
